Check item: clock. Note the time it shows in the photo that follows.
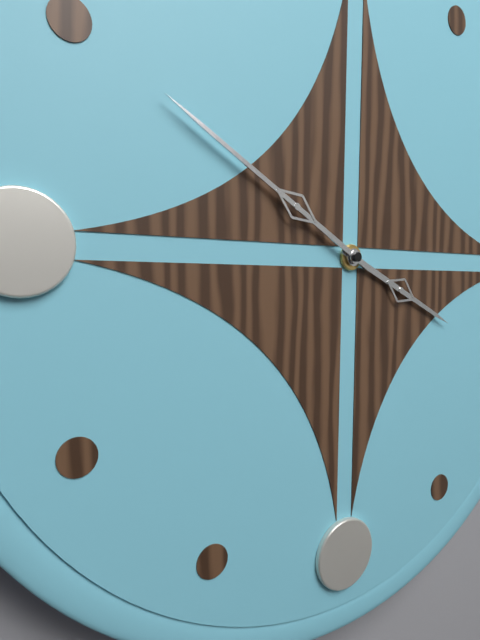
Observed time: 3:50
